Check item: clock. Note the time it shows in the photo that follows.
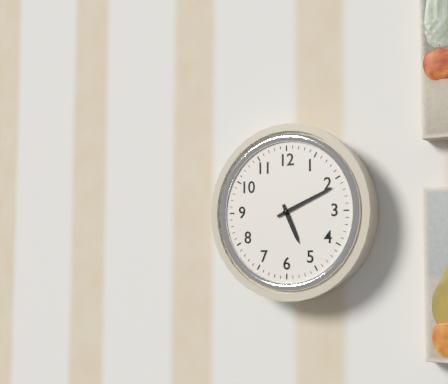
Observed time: 5:11
